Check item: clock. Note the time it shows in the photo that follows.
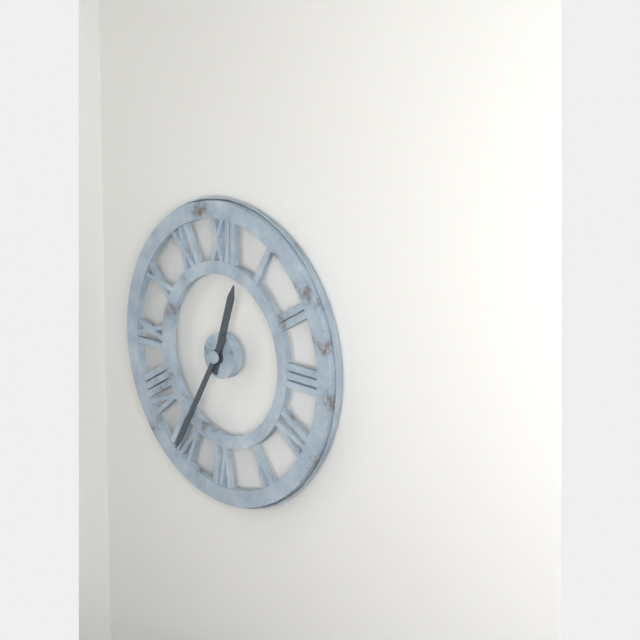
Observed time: 12:35
